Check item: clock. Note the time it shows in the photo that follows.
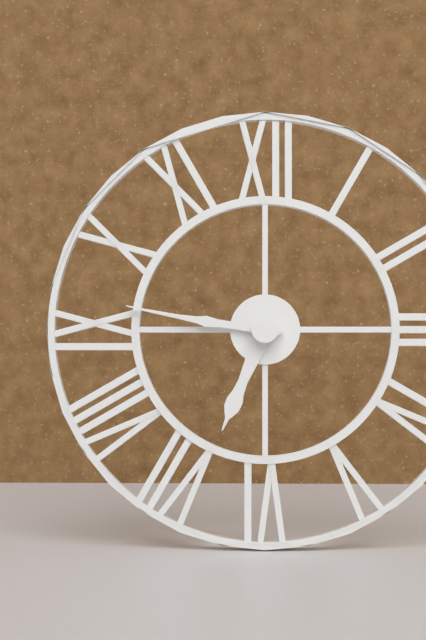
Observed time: 6:46
